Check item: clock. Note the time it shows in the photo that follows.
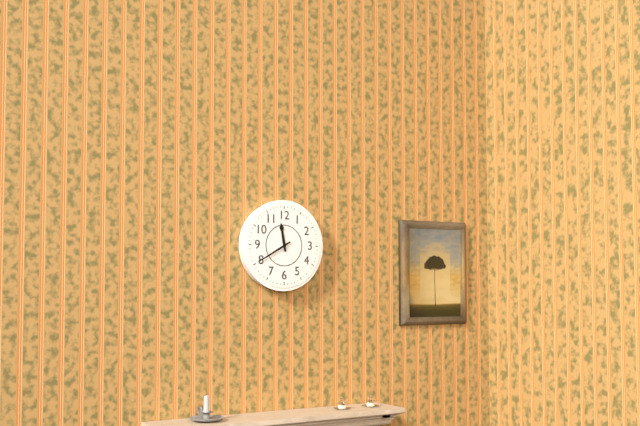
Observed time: 11:40
